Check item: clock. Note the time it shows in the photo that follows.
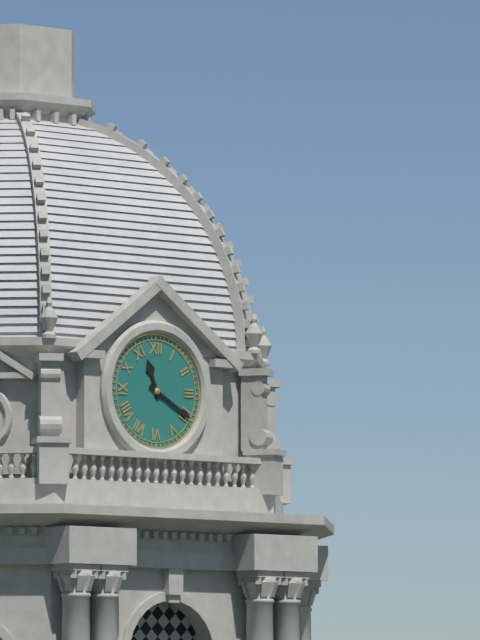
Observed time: 11:20
